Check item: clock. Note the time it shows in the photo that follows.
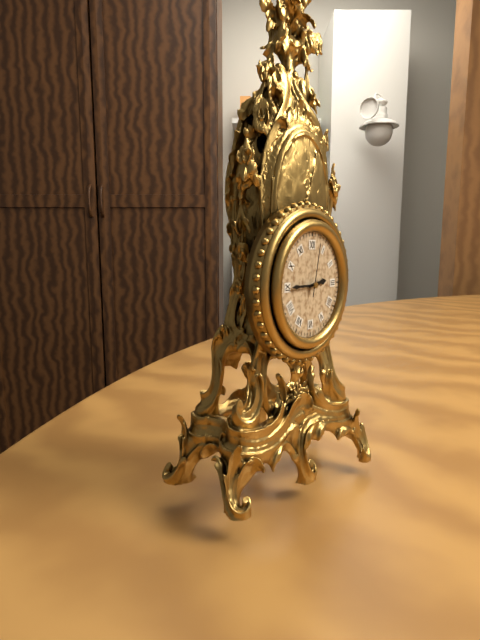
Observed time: 2:45:02
